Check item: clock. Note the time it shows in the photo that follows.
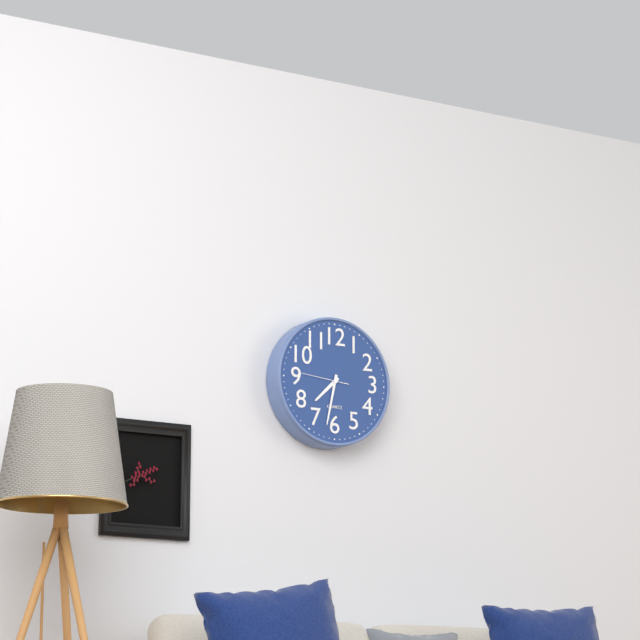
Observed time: 7:32
